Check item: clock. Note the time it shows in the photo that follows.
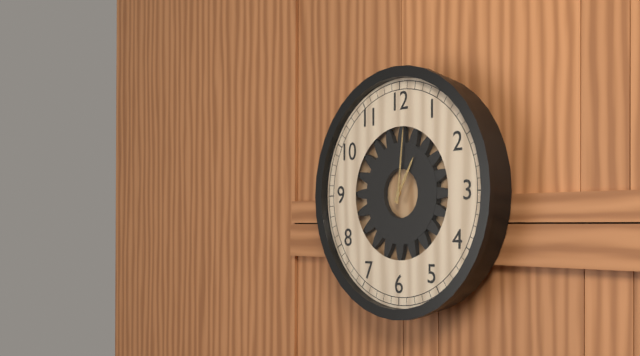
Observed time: 1:01
